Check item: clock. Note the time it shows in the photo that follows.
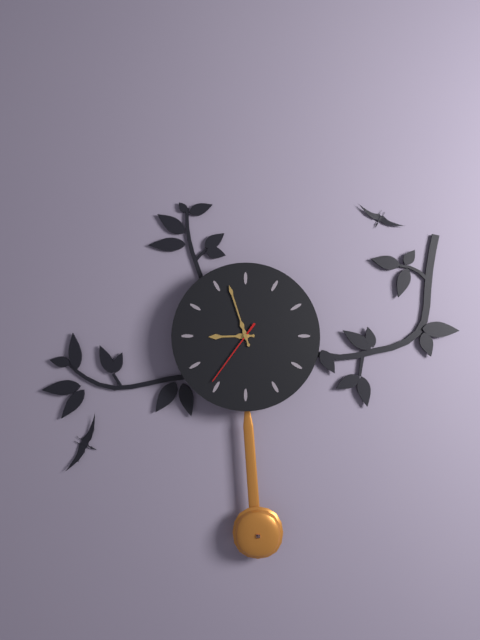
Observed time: 8:57:36
